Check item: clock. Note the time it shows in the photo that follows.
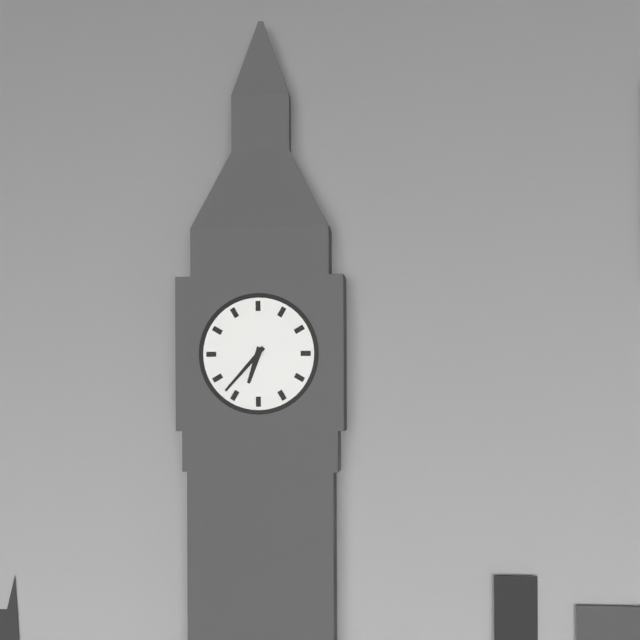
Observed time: 6:37
